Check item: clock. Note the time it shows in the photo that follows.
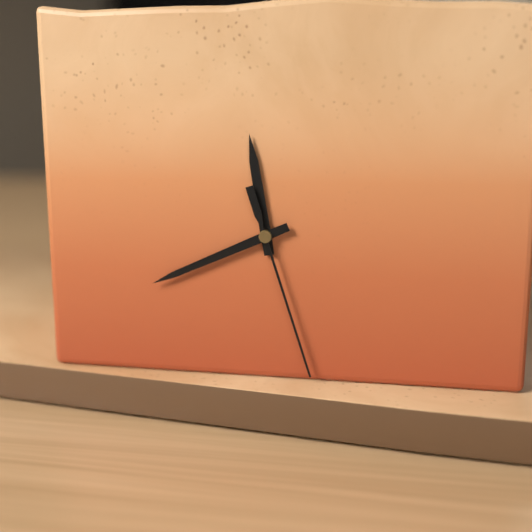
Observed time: 11:41:27
